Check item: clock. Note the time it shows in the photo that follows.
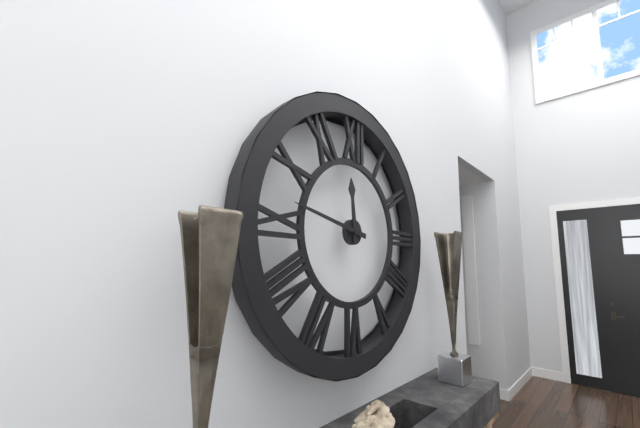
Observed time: 11:47
